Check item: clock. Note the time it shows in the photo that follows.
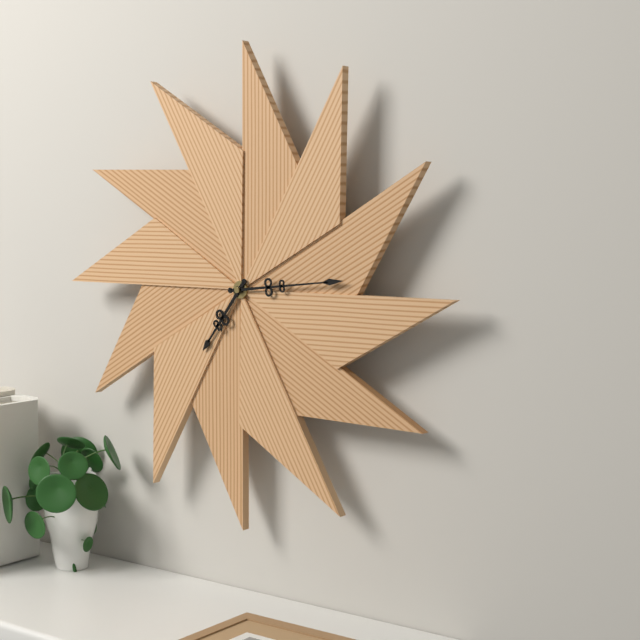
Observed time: 7:14
